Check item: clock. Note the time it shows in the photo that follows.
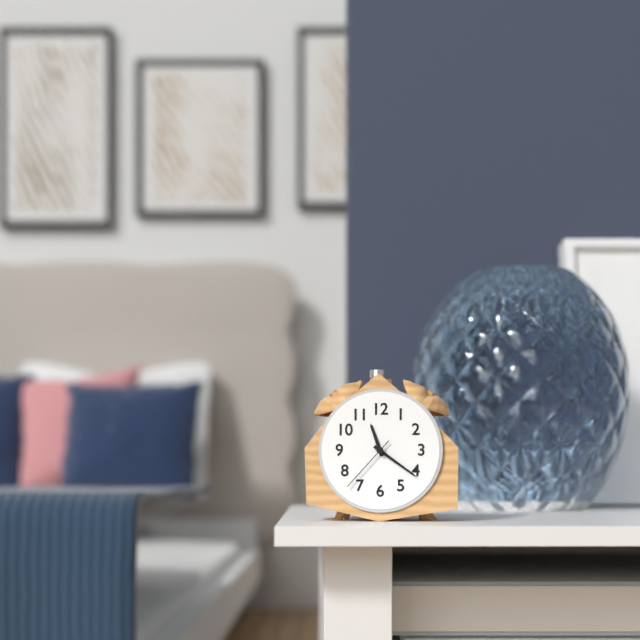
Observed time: 11:21:37
